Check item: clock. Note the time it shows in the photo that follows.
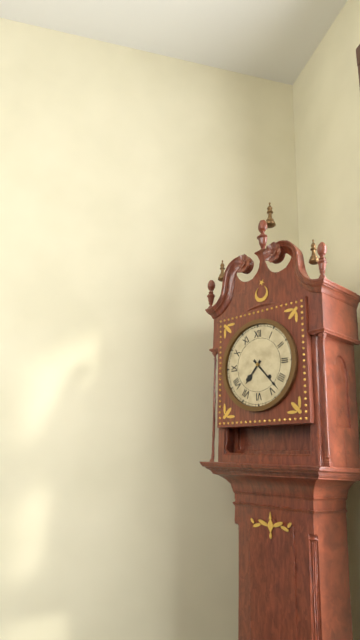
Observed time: 7:23
